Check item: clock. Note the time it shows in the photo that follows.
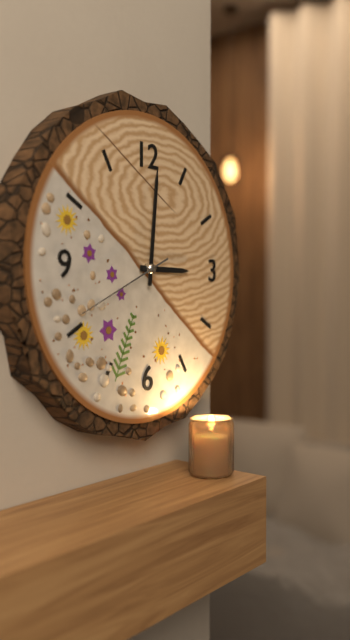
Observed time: 3:01:41
